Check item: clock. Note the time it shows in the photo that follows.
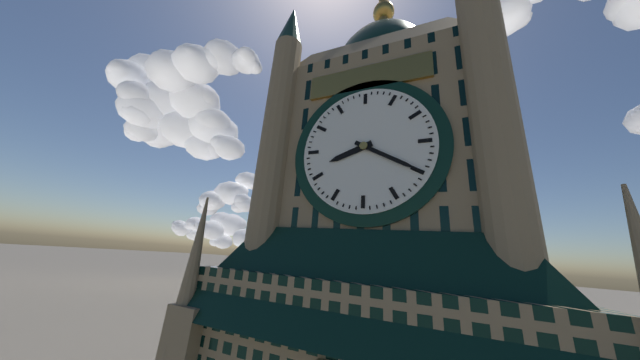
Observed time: 8:20
